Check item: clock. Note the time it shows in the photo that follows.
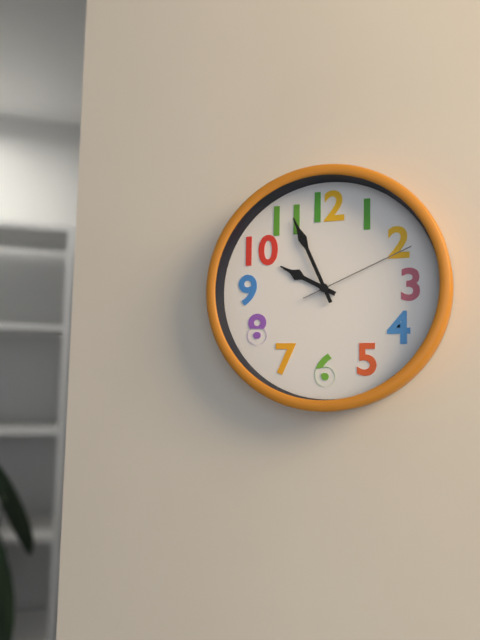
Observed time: 9:56:11
